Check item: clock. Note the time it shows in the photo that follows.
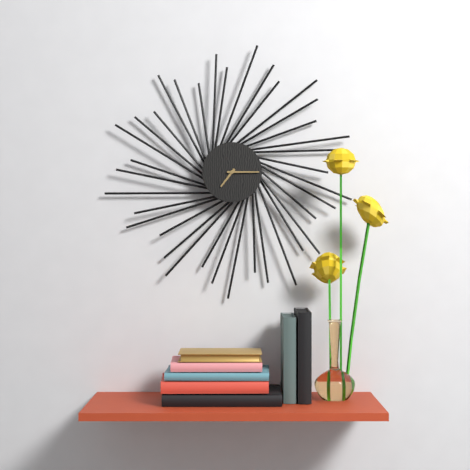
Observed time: 7:15
